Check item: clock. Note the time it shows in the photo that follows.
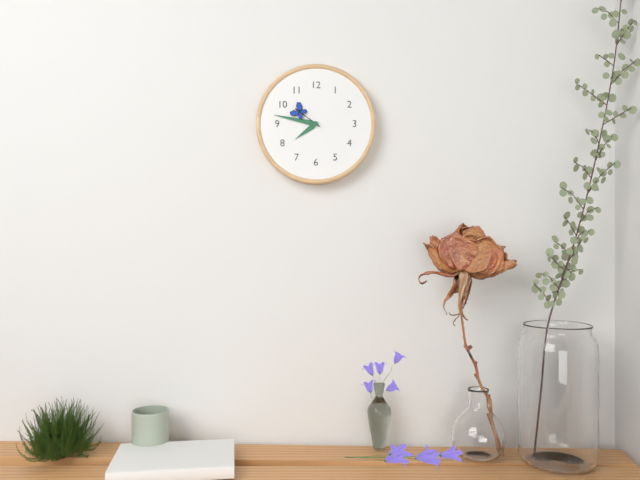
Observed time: 7:47
